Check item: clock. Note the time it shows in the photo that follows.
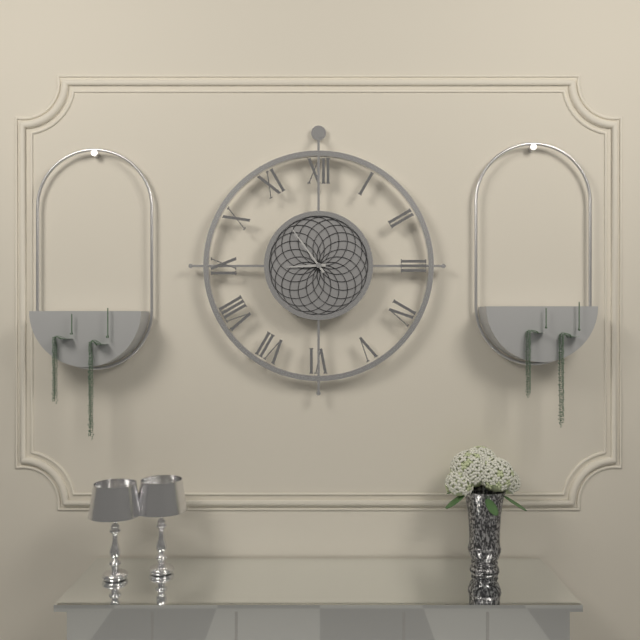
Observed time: 8:54
